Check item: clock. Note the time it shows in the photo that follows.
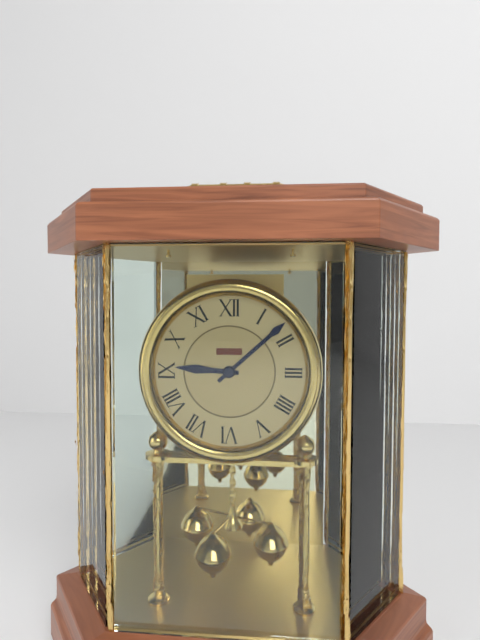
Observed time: 9:08
